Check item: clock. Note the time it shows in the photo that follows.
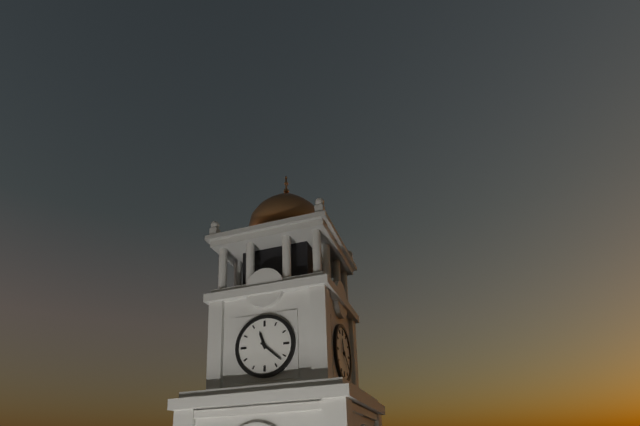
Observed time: 11:22
